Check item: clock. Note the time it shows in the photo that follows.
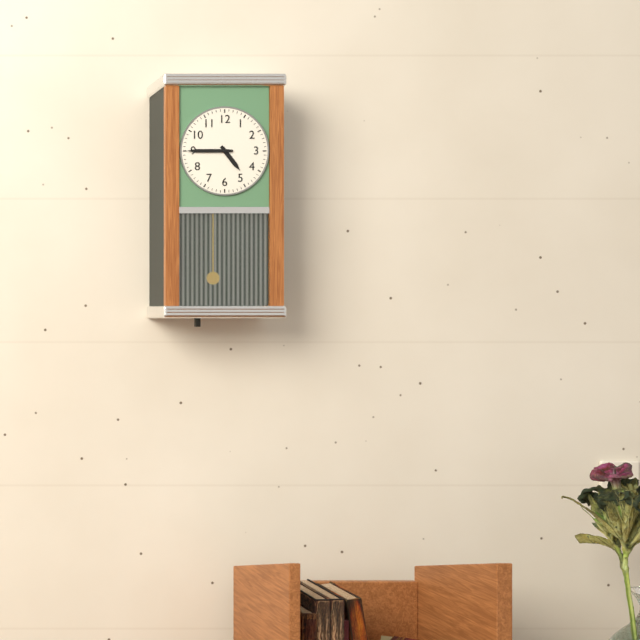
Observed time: 4:45
